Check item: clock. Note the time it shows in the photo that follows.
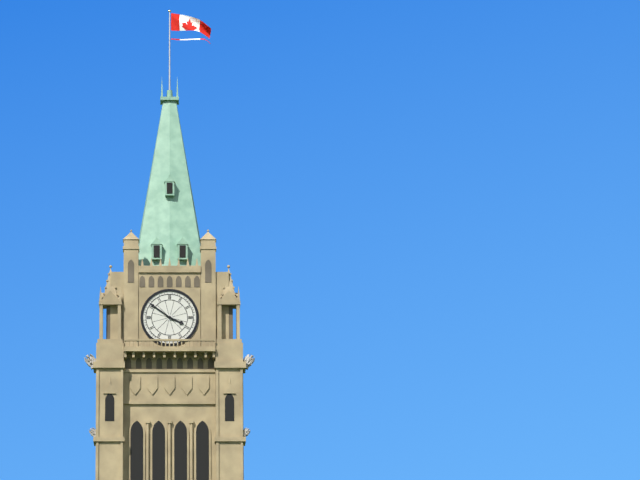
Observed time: 3:51
